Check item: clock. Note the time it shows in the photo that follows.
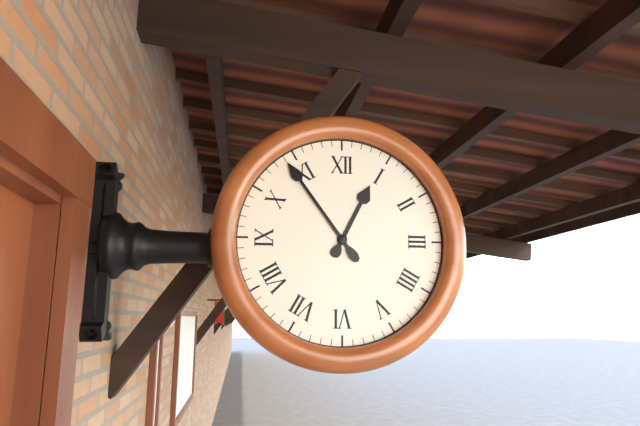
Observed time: 12:54
